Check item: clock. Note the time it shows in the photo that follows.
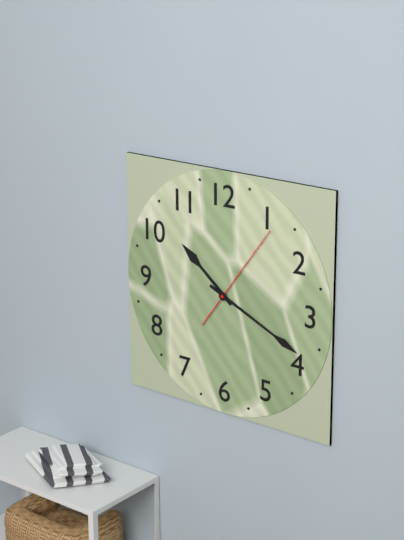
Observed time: 10:19:06
